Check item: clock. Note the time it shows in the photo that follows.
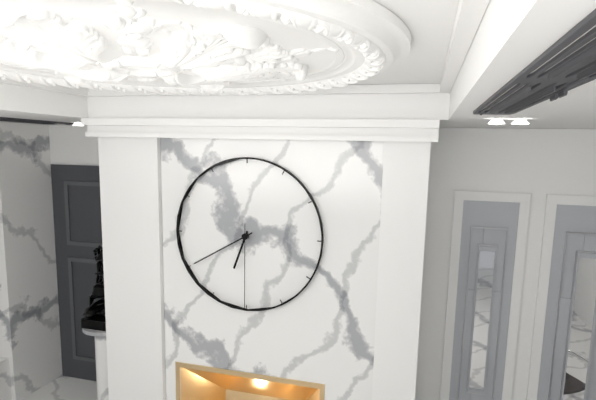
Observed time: 6:40:30
